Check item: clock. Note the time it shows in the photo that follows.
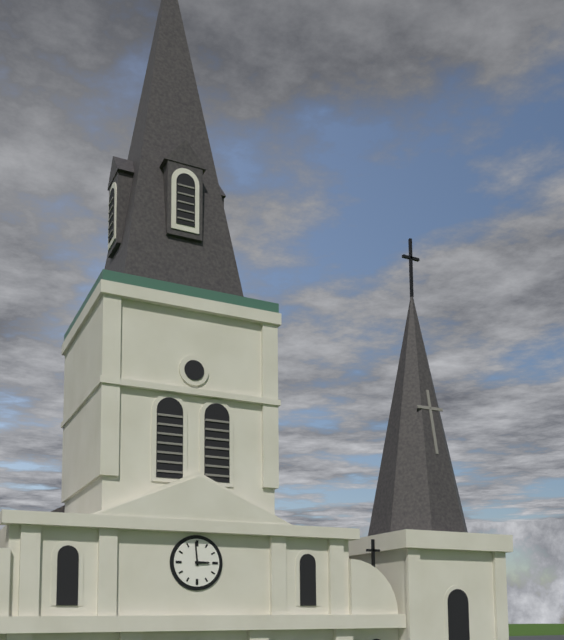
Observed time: 2:59
